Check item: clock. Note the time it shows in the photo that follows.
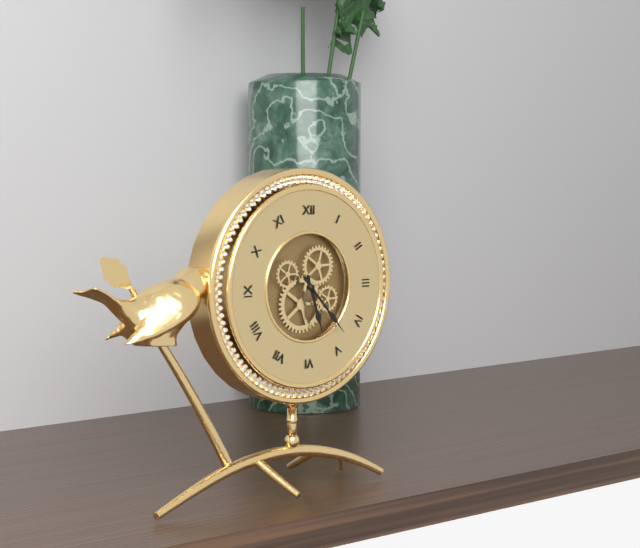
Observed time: 5:23
